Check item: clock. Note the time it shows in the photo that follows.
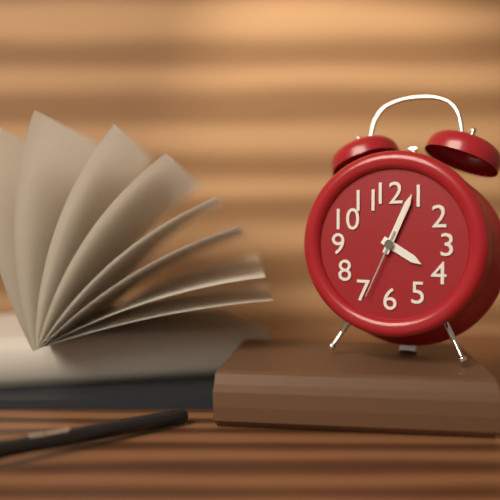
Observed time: 4:04:34
